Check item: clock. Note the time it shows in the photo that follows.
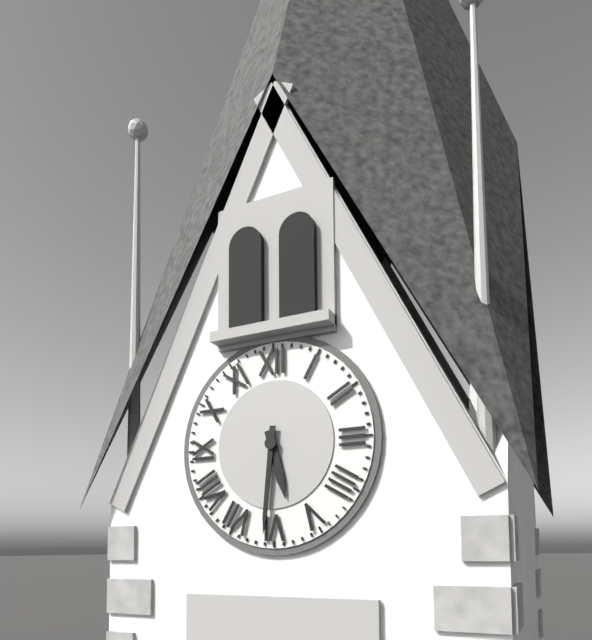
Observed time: 5:31
